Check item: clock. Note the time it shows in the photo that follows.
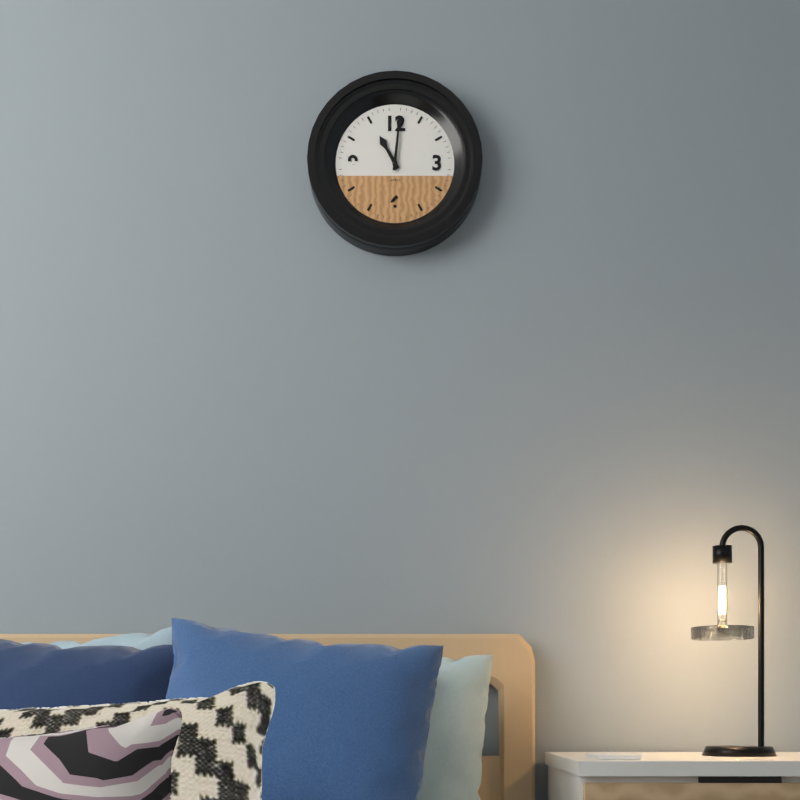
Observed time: 11:01
